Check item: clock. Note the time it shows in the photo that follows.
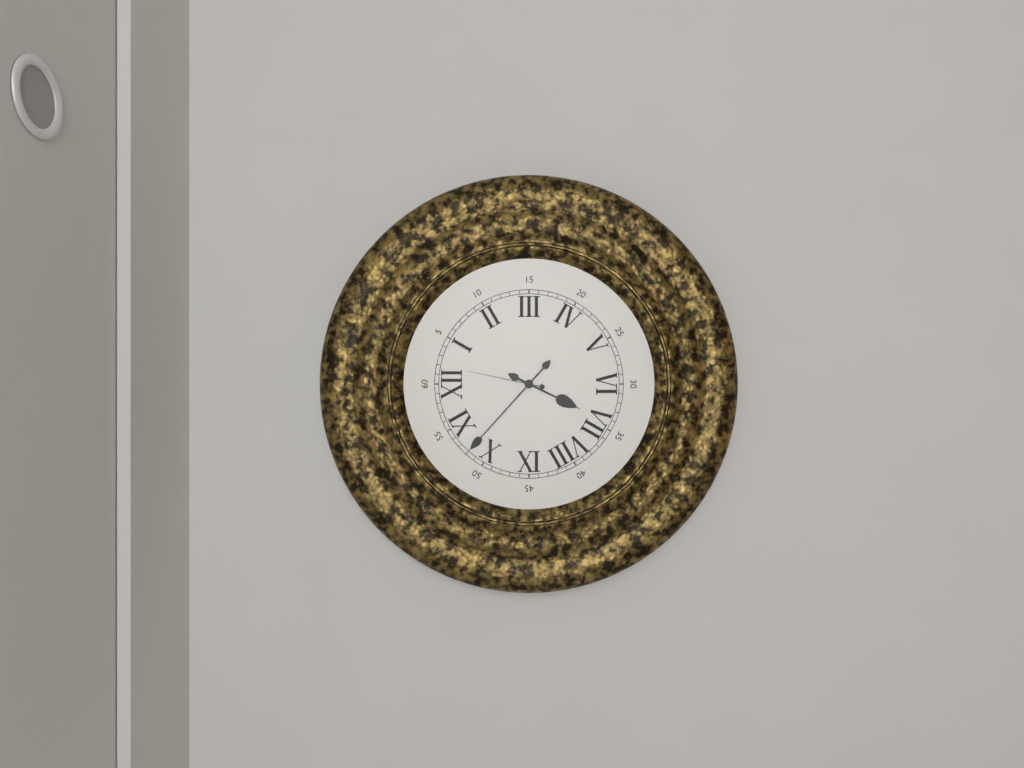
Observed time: 6:52:02
